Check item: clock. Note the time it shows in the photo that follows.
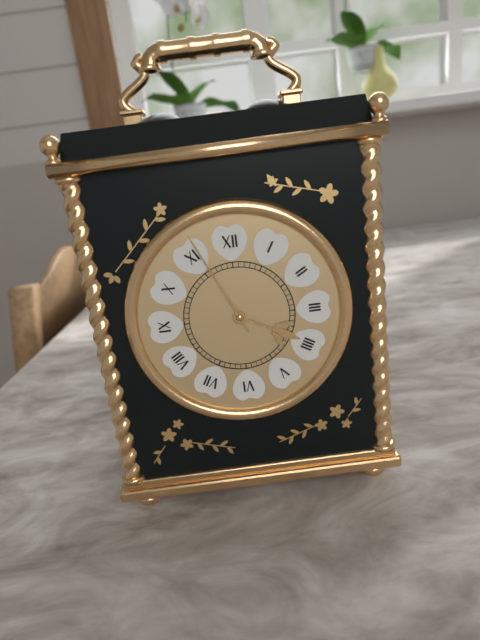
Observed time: 3:56
